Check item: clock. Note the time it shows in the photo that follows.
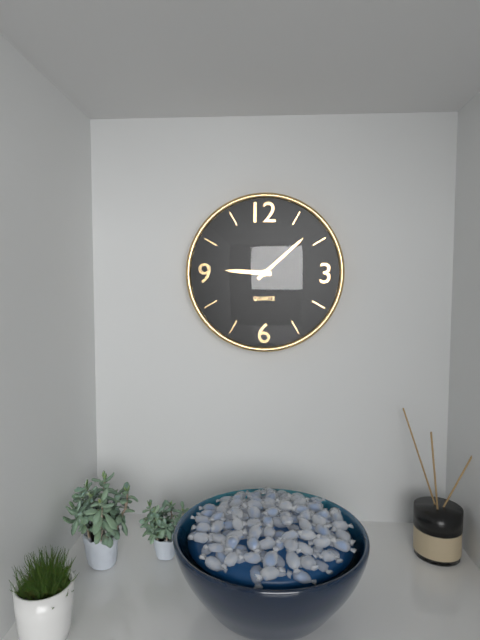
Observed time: 9:08
